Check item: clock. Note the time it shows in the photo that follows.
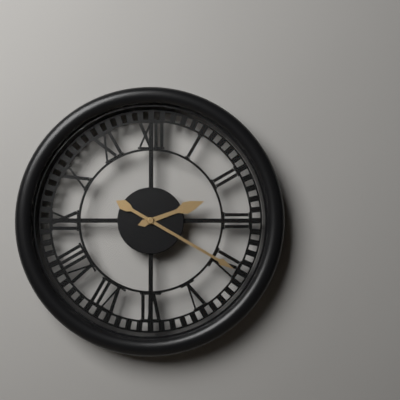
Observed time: 2:20
